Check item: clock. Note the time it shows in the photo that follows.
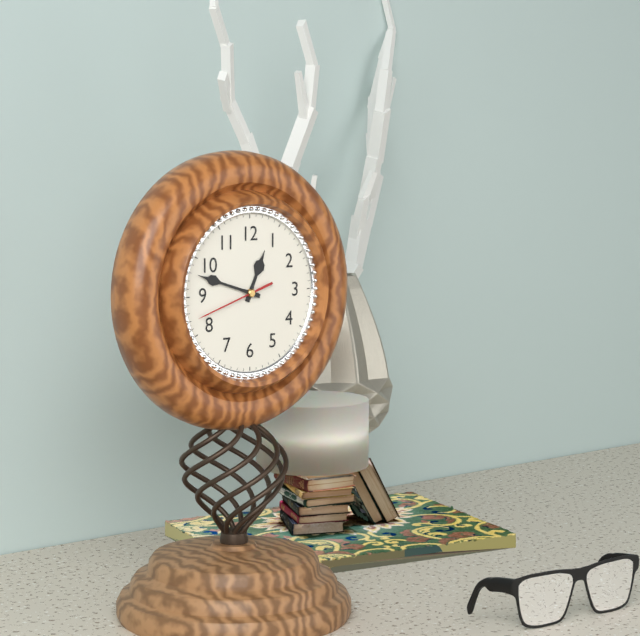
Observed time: 12:48:42
